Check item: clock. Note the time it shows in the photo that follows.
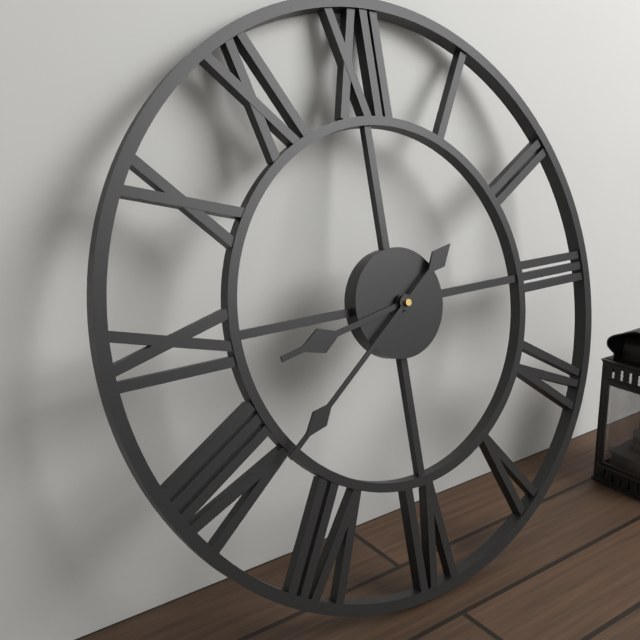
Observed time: 8:39
